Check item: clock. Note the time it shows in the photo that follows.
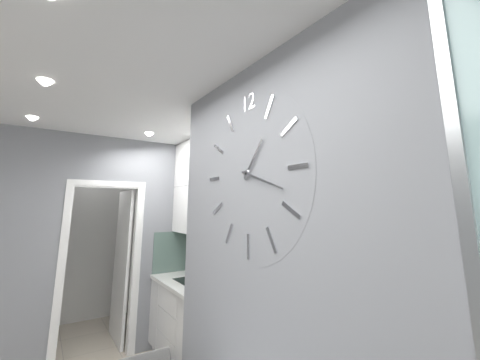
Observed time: 1:18
